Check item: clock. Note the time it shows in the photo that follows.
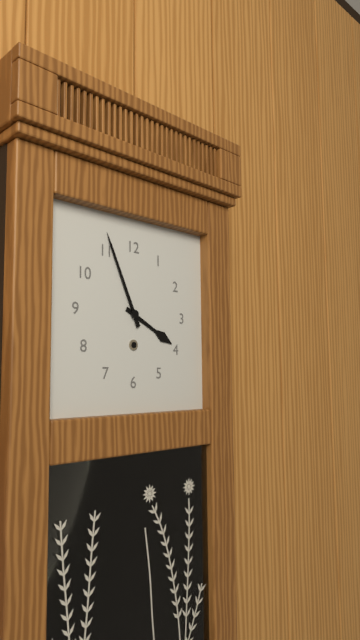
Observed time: 3:56
